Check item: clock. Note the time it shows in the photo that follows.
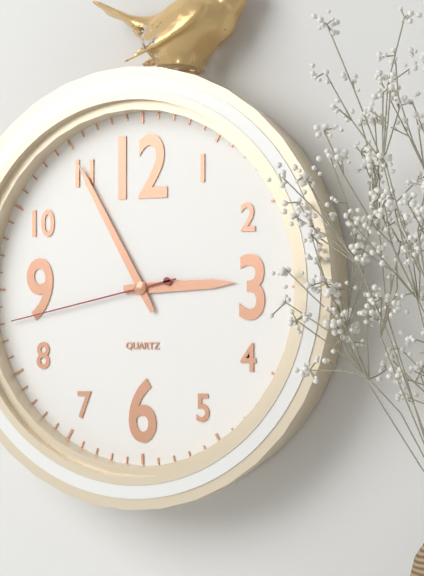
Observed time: 2:55:43
